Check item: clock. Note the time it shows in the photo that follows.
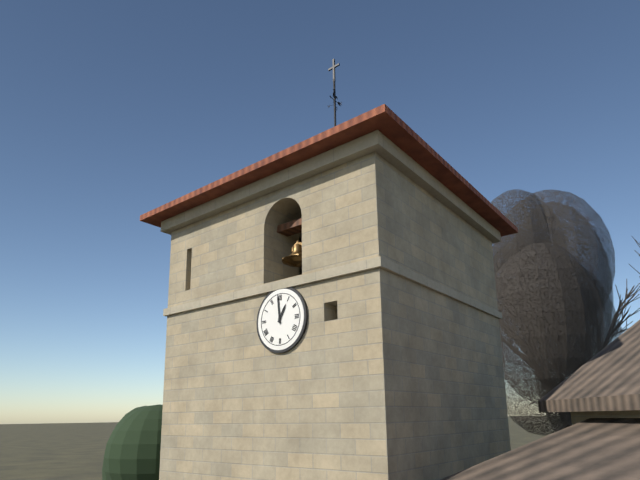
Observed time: 12:59
